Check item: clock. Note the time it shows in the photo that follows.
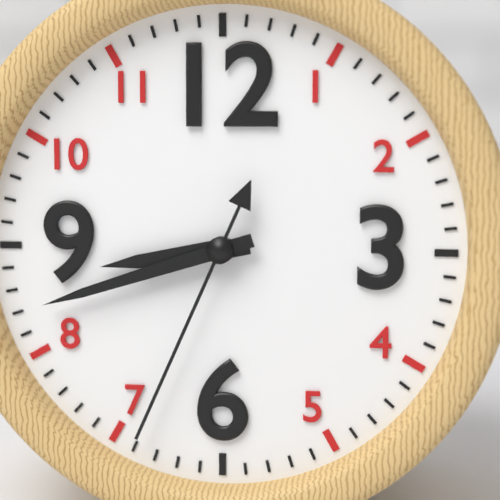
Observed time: 8:42:34
